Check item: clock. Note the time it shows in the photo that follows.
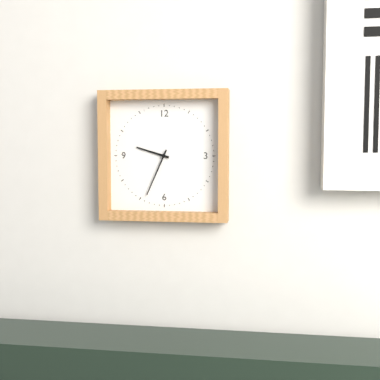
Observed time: 9:34
